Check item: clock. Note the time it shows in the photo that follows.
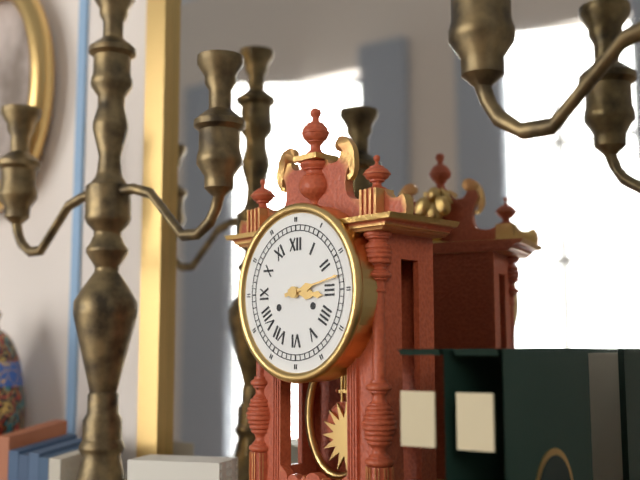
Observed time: 3:13
